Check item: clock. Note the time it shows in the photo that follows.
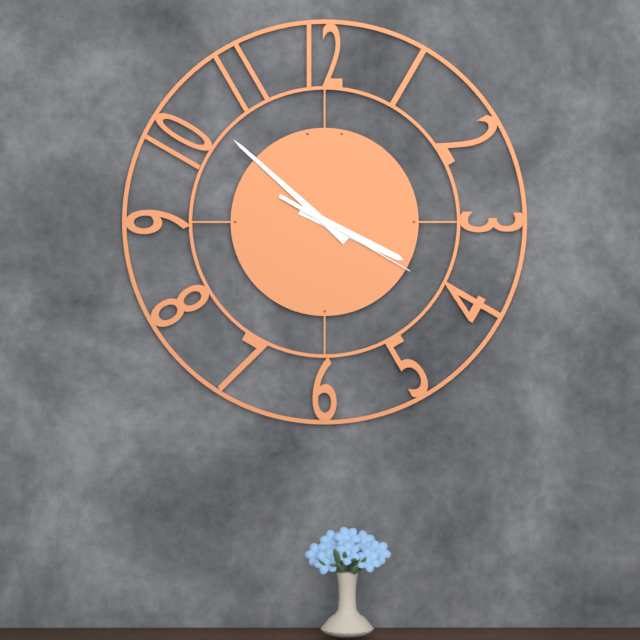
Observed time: 3:52:20
